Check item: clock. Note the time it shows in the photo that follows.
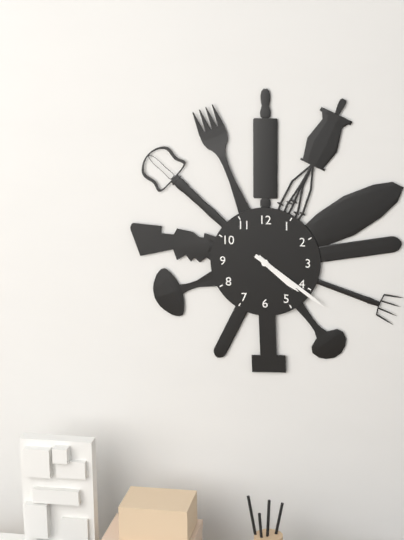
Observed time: 4:21
